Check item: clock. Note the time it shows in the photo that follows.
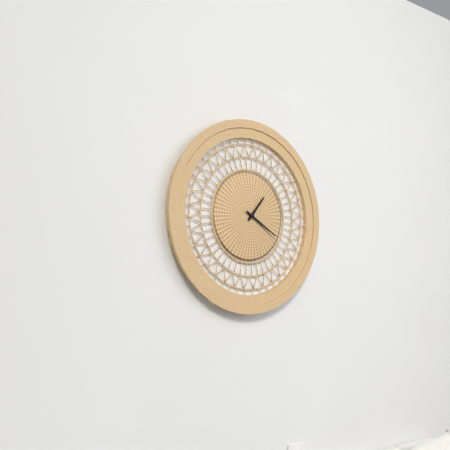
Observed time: 1:20
